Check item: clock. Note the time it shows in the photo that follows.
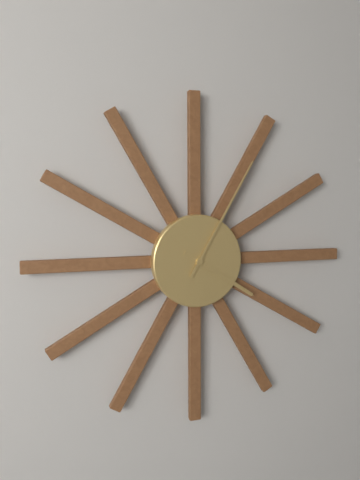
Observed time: 4:05
